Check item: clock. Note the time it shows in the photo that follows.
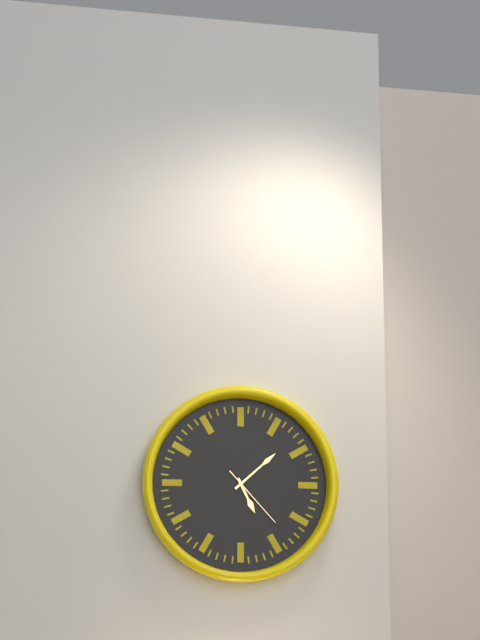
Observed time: 5:08:23
